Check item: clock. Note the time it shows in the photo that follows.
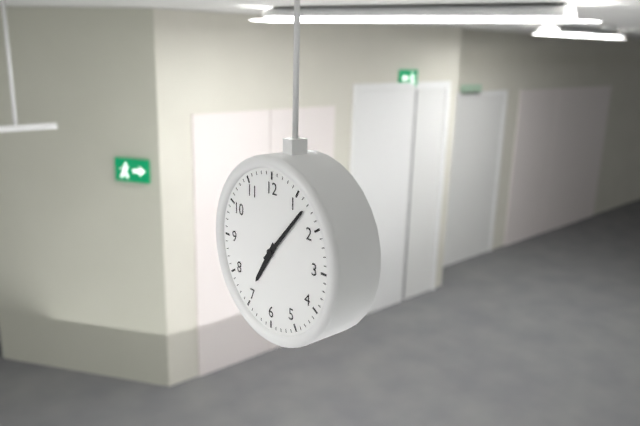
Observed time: 7:07
